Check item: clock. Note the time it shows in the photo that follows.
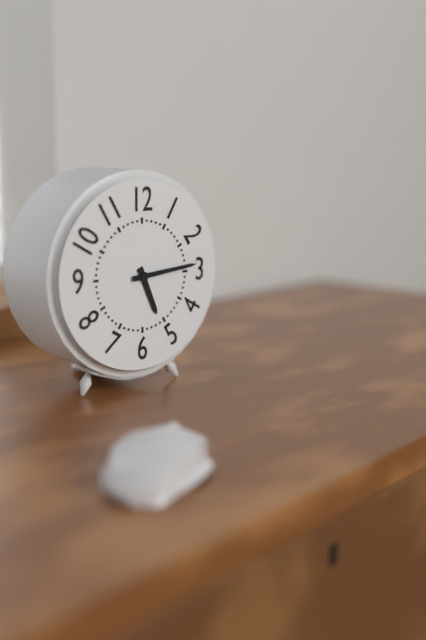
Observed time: 5:14
